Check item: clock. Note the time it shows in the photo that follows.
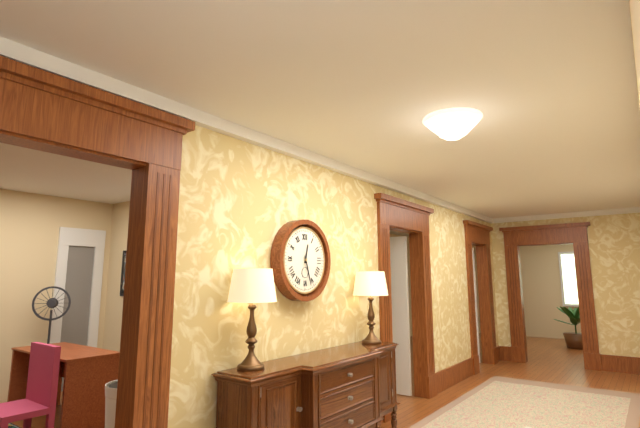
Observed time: 12:27
